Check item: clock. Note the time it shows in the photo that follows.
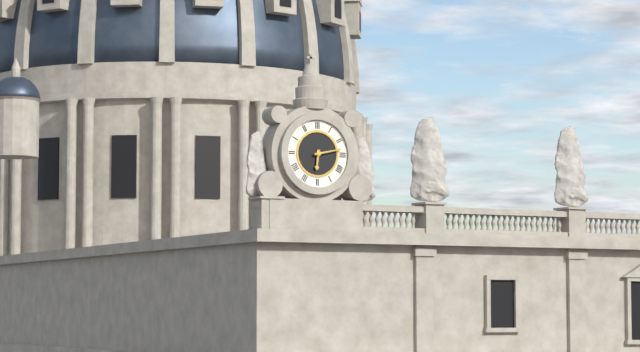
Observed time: 6:13
